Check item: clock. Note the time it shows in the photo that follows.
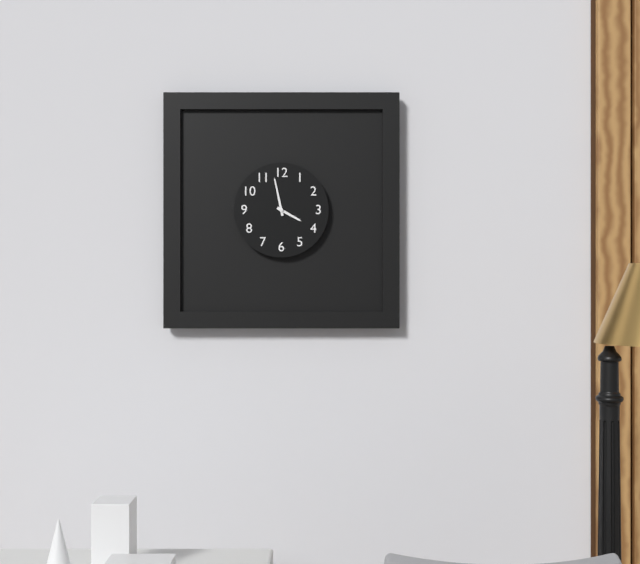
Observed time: 3:58
